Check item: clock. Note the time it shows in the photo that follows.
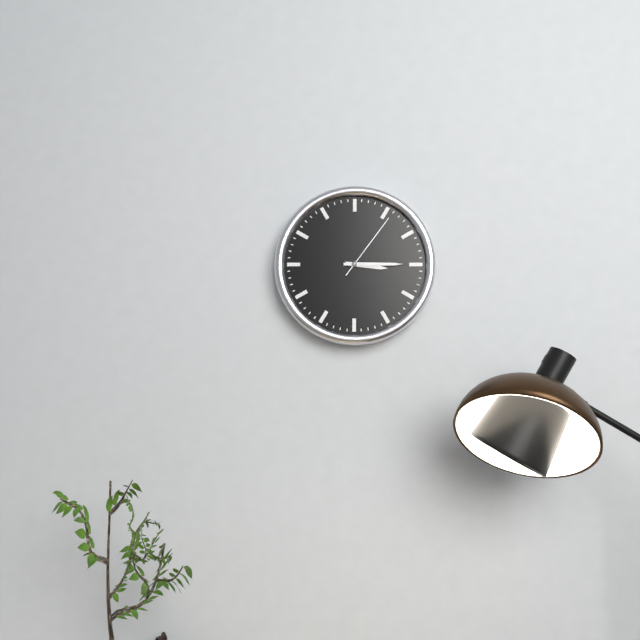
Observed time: 3:15:06
